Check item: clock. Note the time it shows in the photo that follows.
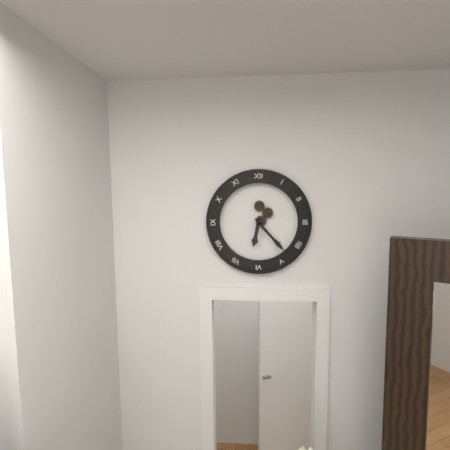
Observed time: 6:23
